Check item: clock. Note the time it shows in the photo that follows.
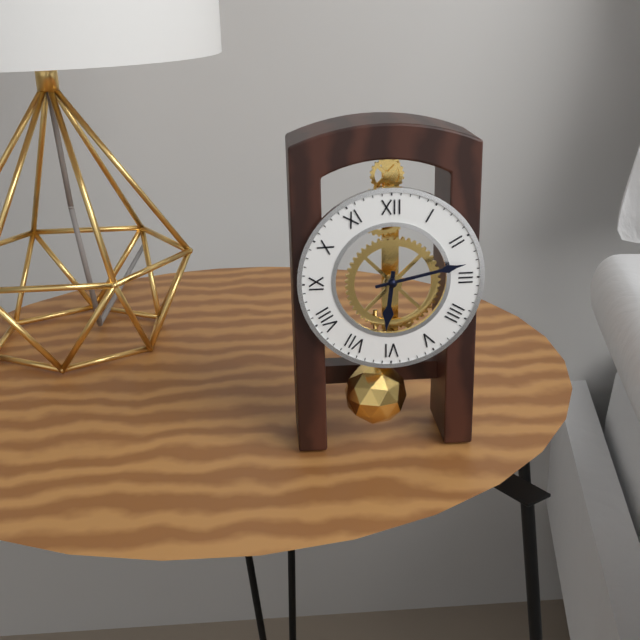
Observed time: 6:13
